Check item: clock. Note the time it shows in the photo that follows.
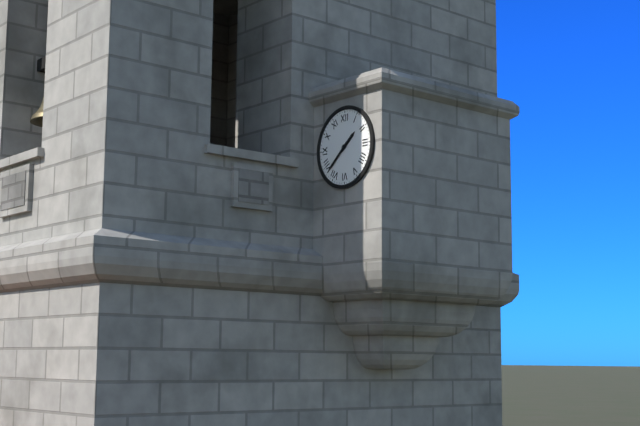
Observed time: 1:38
